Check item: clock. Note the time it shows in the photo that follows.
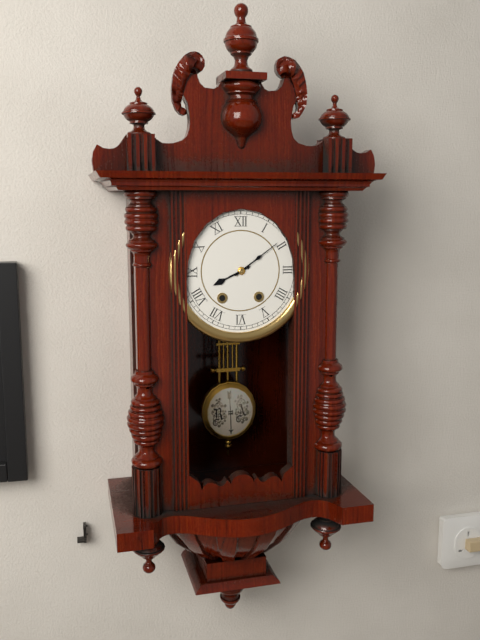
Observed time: 8:09
